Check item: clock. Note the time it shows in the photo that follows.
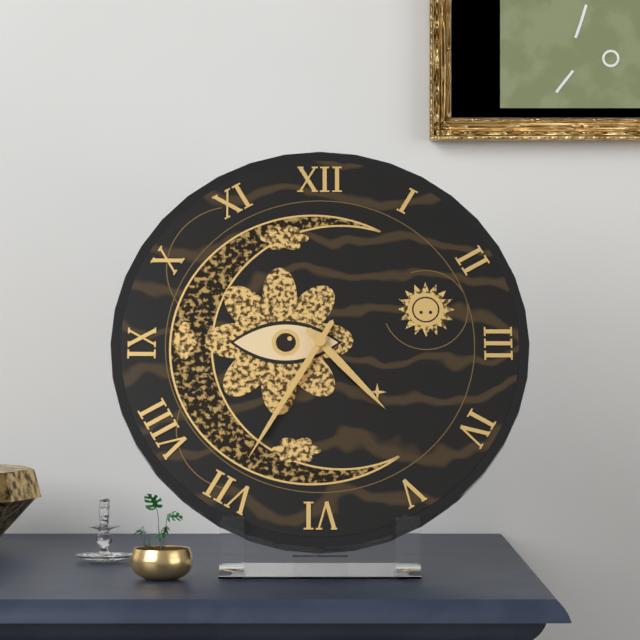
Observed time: 4:35
